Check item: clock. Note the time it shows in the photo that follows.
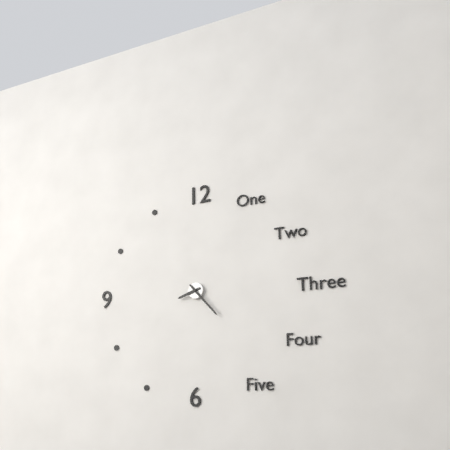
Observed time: 8:23
